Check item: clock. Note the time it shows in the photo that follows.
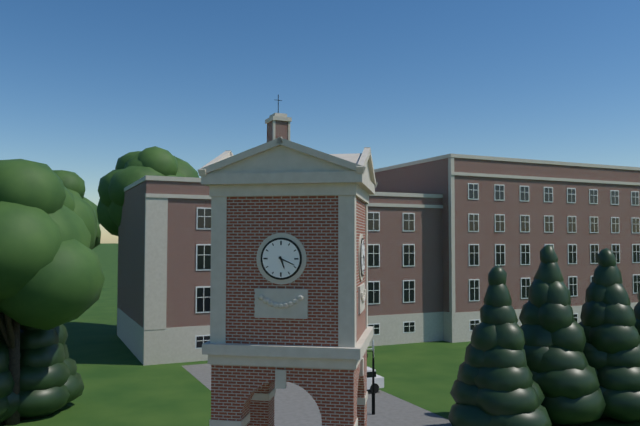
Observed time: 5:19
